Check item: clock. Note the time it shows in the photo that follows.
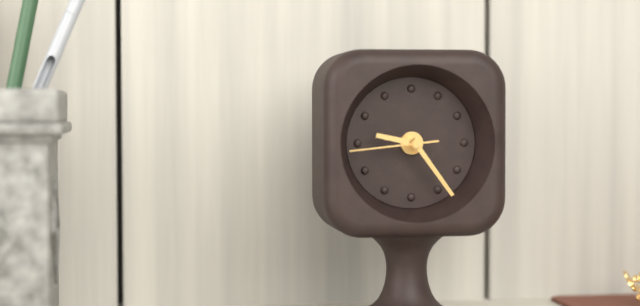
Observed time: 9:24:44
